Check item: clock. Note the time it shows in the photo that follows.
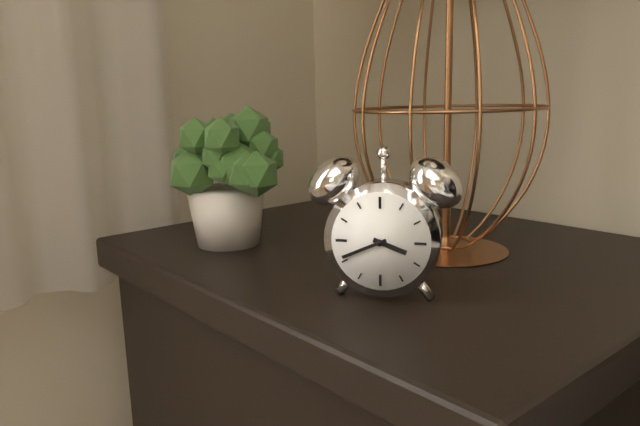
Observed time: 3:41
